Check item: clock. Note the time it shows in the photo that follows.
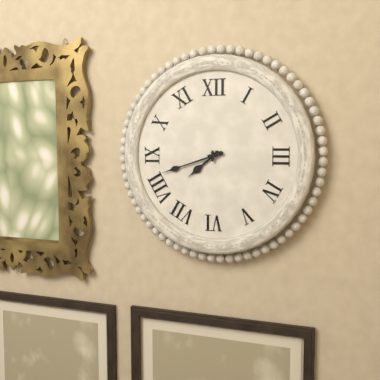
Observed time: 7:42
